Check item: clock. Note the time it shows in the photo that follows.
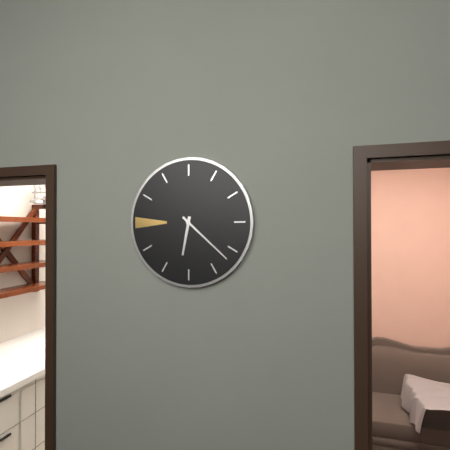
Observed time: 6:22
